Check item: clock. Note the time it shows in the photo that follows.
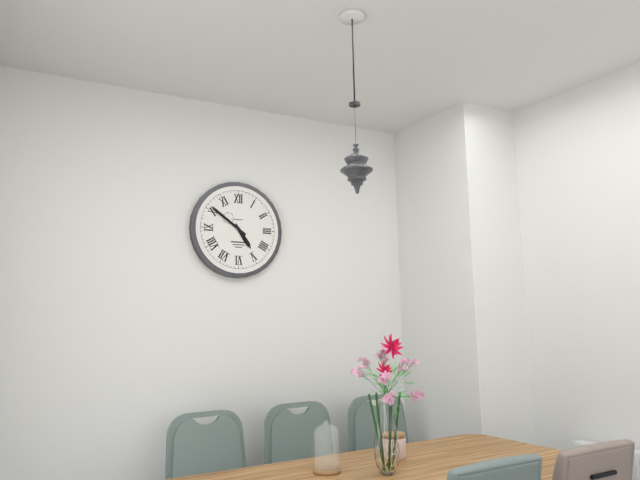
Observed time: 4:51
